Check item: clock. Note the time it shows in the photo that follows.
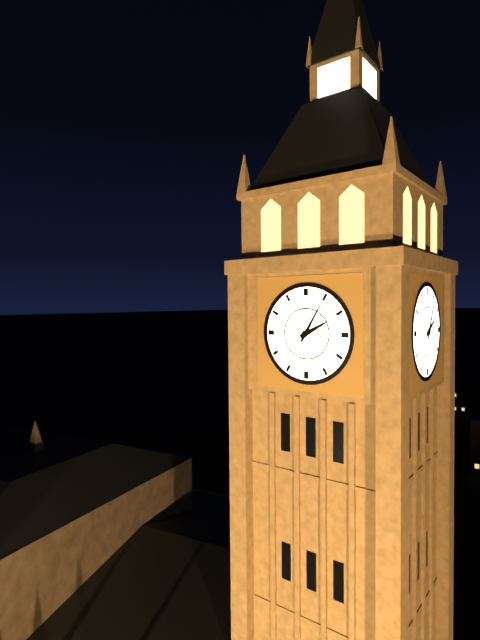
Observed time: 2:05
